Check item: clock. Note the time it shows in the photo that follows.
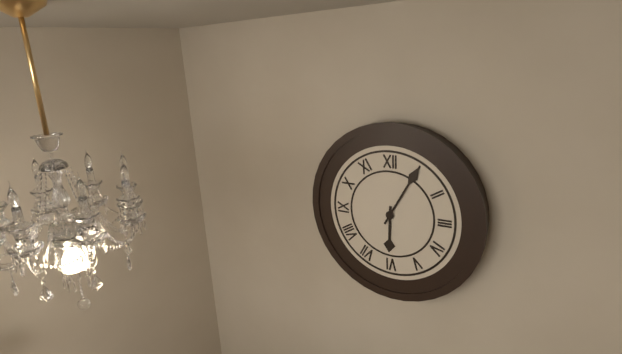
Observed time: 6:05
